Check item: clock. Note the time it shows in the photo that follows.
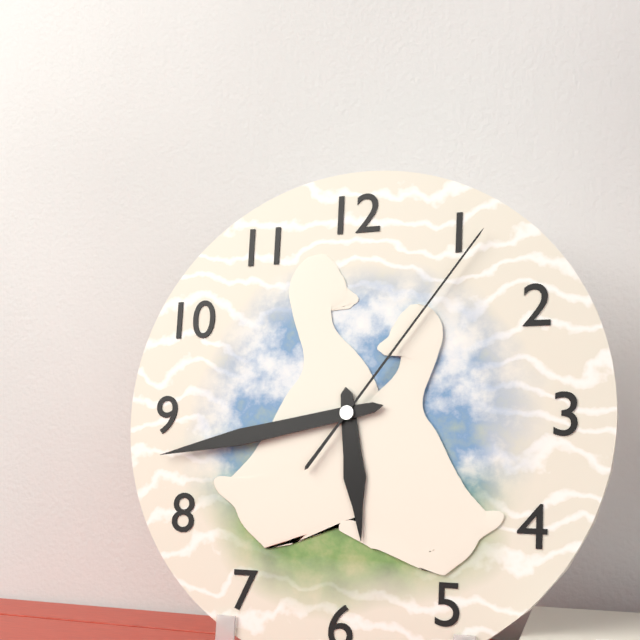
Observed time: 5:43:06
